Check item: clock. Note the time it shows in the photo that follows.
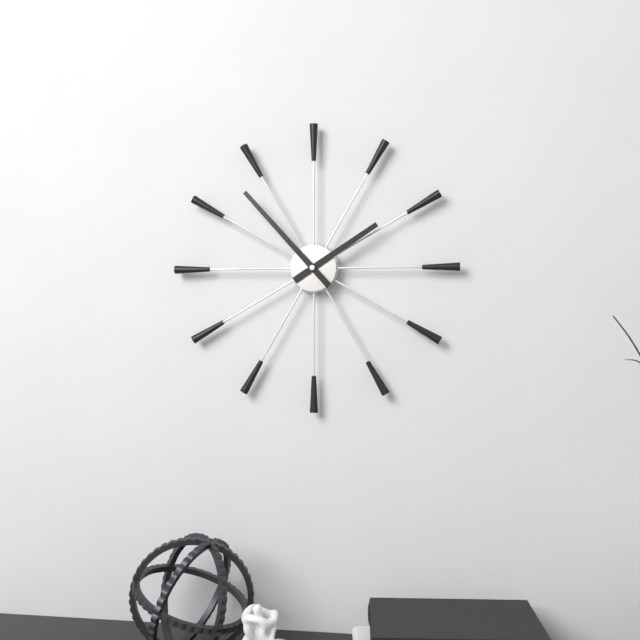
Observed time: 1:53
